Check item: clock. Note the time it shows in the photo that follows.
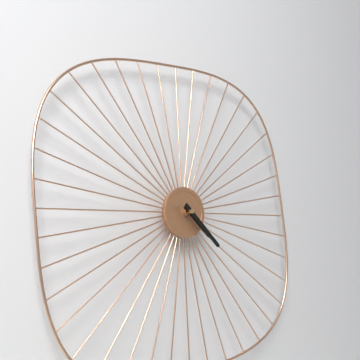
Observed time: 4:22
